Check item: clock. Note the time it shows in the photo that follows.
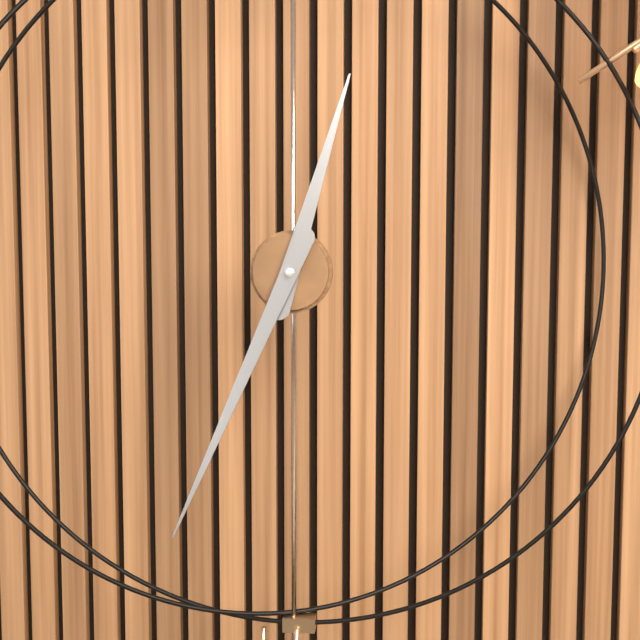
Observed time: 12:34
